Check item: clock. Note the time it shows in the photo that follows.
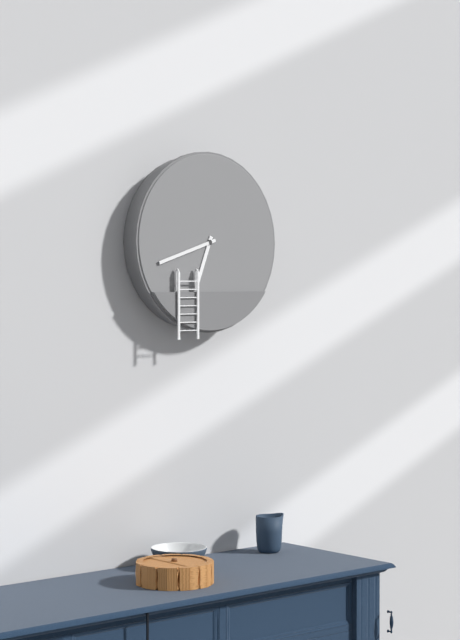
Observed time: 6:42
